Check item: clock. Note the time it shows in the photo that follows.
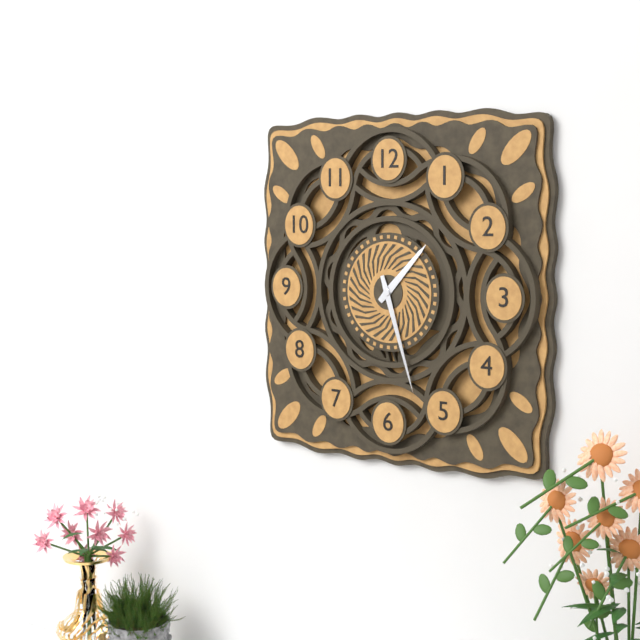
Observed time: 1:27
